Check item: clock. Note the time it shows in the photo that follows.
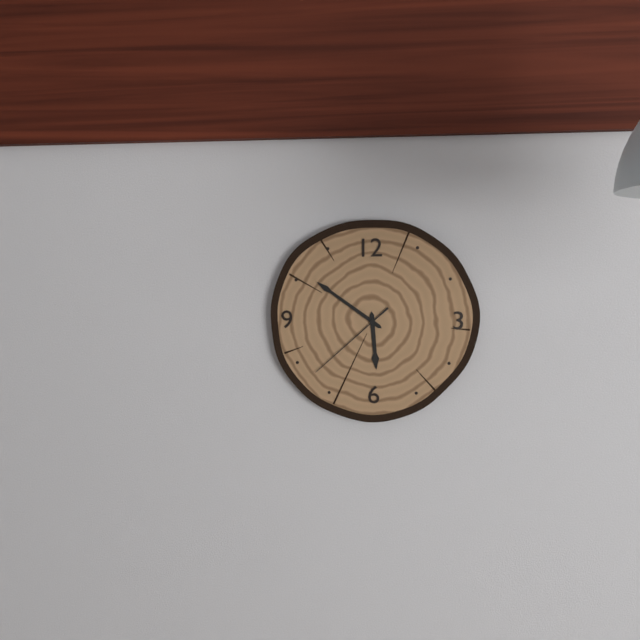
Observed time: 5:51:38
